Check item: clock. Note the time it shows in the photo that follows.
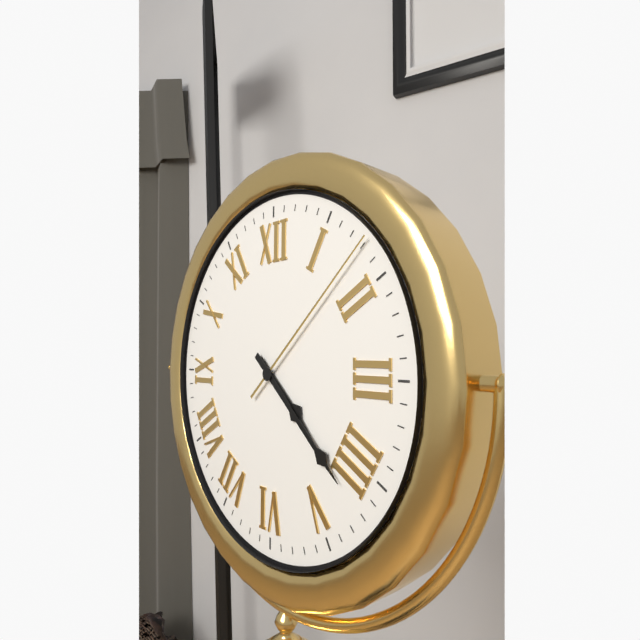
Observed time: 4:22:08
